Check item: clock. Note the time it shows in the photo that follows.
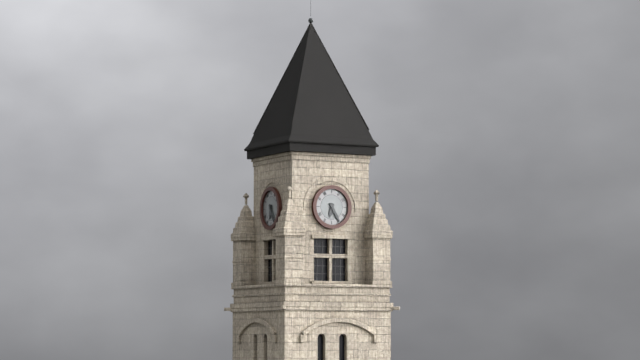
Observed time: 6:25
